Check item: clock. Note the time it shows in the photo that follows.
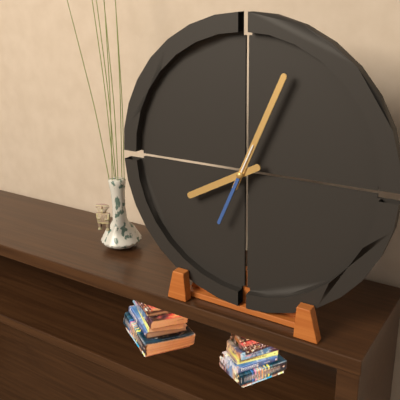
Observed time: 8:04:34
